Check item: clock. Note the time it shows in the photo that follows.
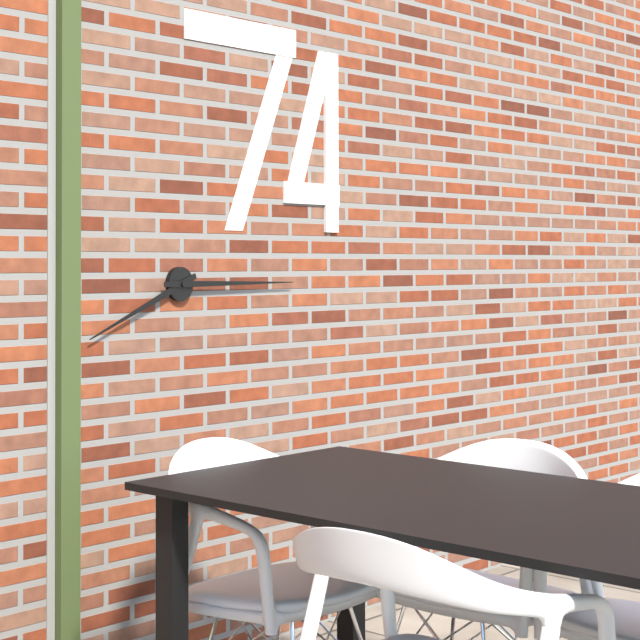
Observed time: 8:15
